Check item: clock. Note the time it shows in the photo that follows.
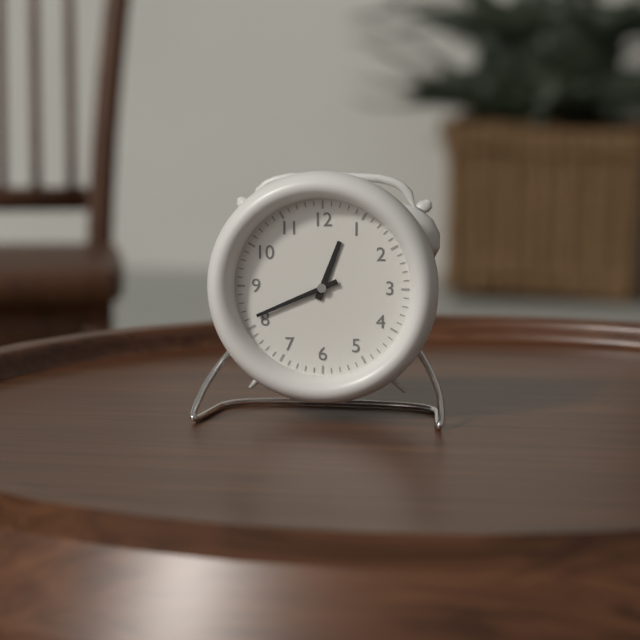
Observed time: 12:41
